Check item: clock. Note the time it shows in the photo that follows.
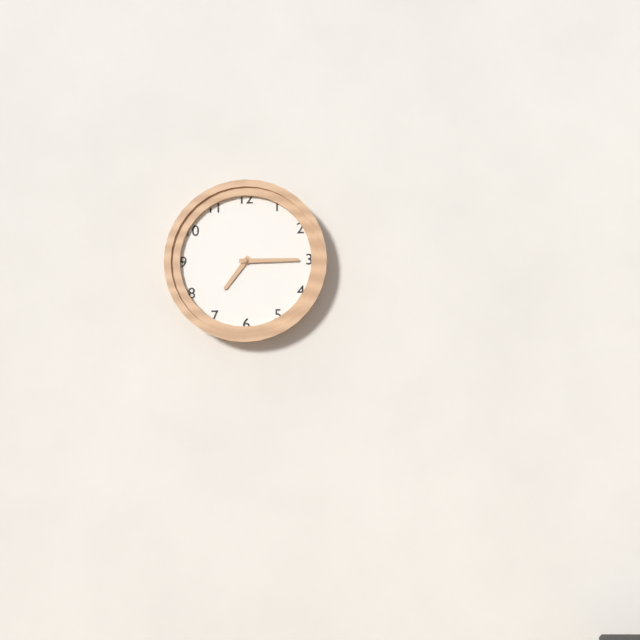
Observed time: 7:15
